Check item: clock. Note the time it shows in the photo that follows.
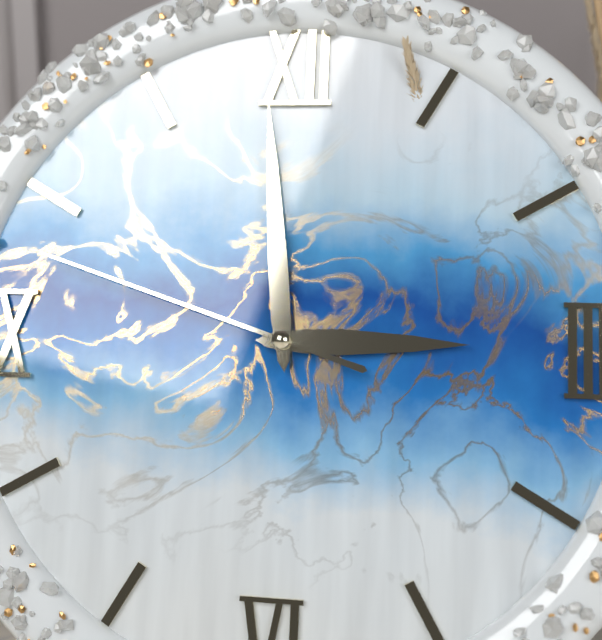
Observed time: 2:59:48
